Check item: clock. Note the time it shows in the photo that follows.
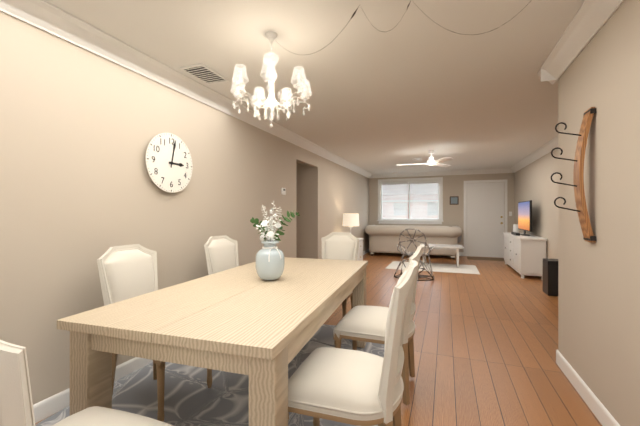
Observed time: 3:02
